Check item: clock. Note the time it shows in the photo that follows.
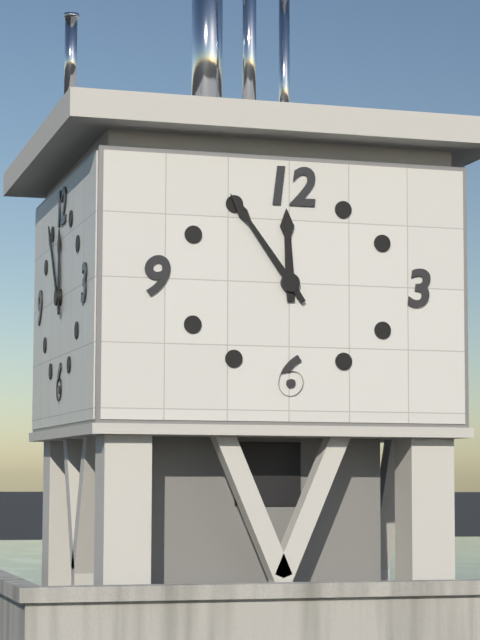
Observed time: 11:54
